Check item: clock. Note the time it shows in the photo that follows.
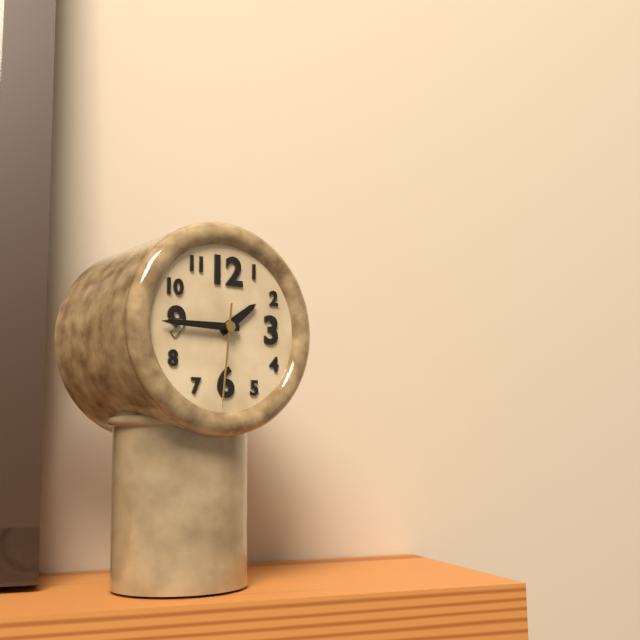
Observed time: 1:45:31
